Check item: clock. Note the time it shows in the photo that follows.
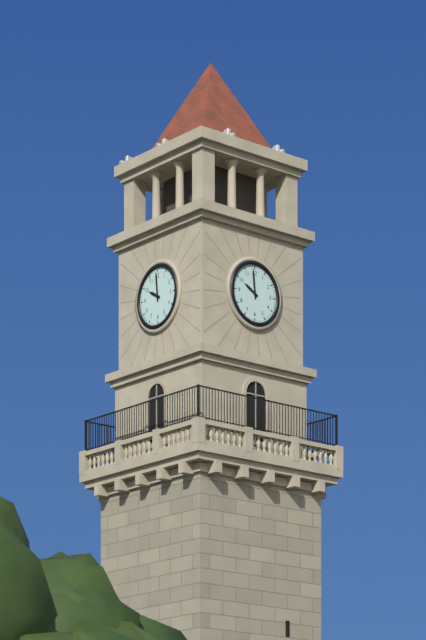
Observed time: 9:59
